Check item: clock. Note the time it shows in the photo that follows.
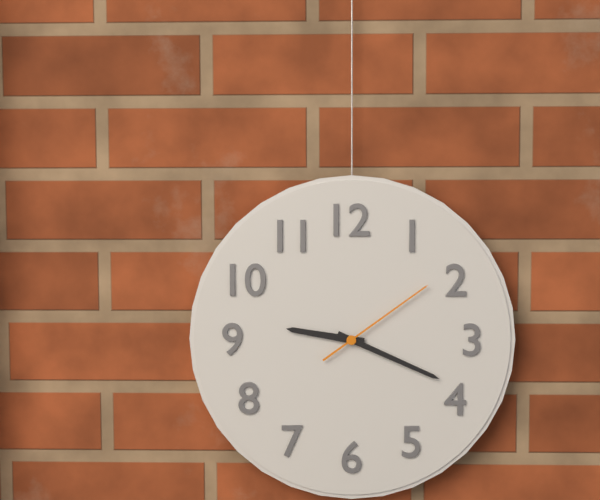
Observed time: 9:19:09
